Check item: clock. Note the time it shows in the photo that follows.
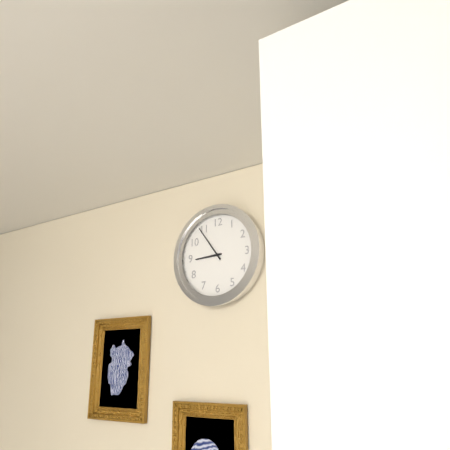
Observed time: 8:54
